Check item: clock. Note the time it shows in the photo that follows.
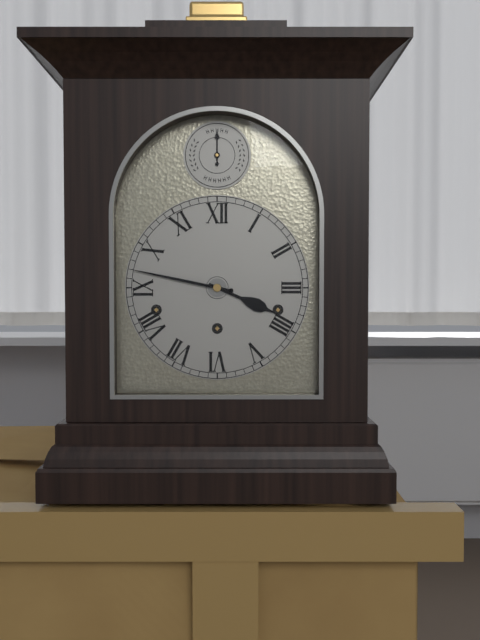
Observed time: 3:47
